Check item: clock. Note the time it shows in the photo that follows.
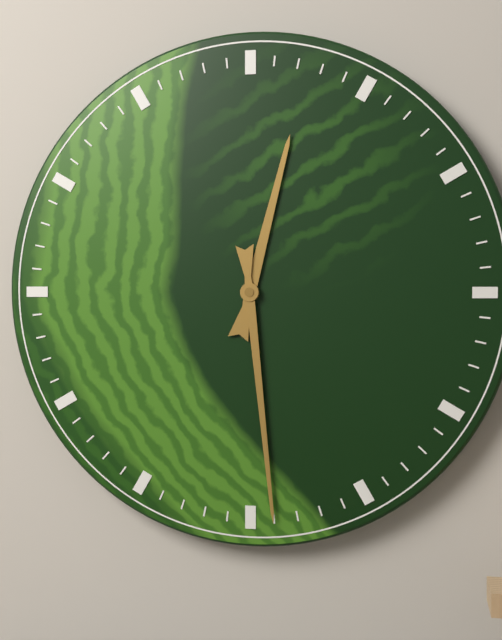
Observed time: 12:29
